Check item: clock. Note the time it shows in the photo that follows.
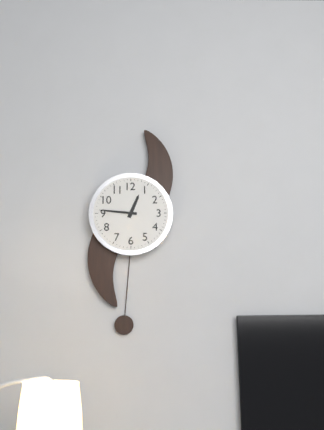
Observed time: 12:46
